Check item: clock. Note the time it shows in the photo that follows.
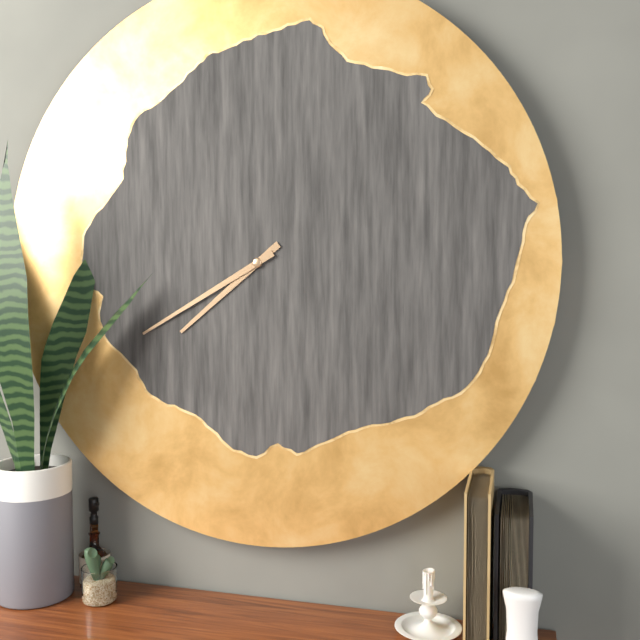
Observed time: 7:40
